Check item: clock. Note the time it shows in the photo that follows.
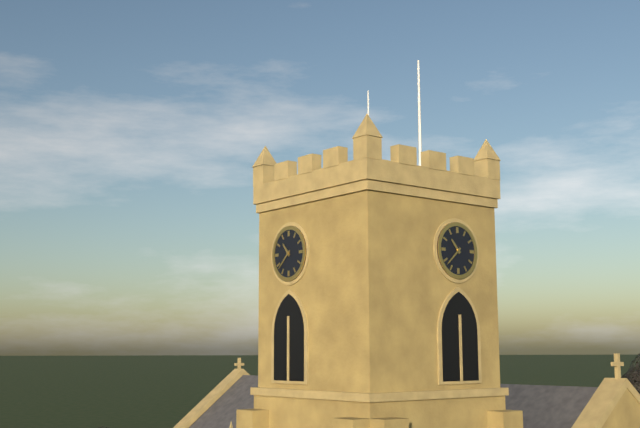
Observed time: 10:38
